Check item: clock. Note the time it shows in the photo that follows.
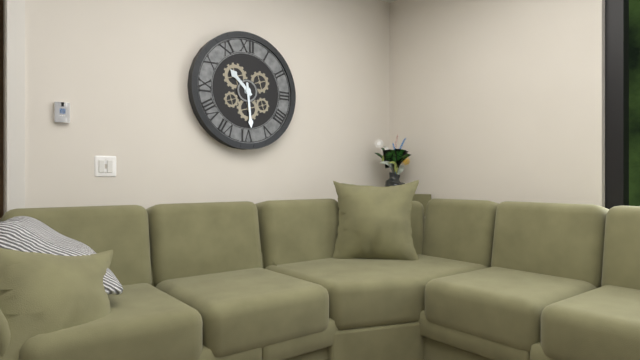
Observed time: 10:29
